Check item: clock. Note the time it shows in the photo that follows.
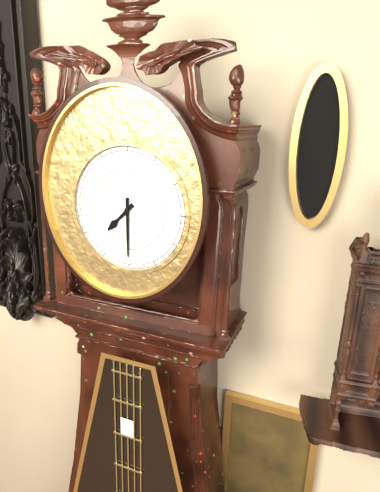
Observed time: 7:30
